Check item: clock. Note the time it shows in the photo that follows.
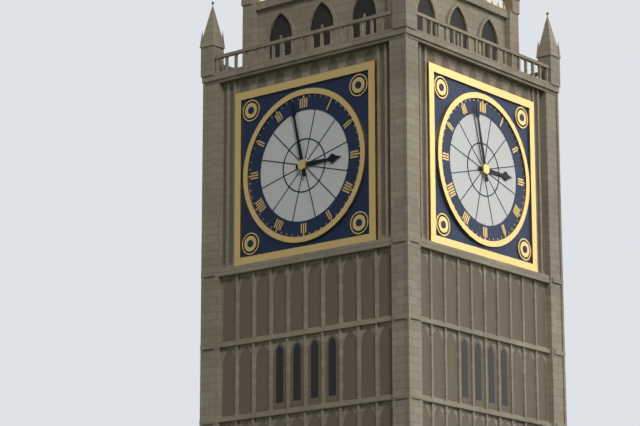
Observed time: 2:58
